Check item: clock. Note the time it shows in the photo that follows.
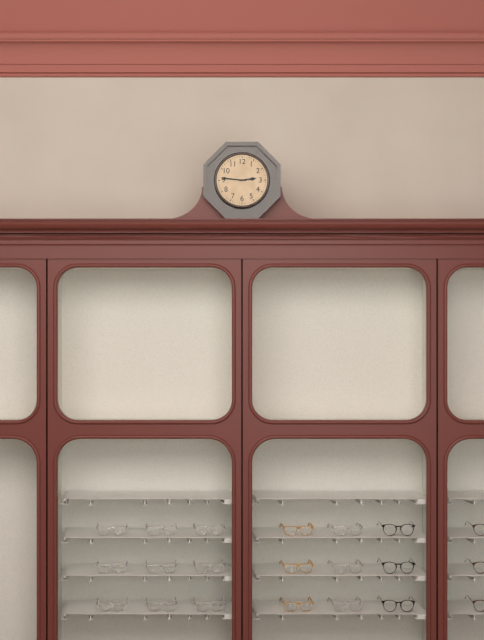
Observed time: 2:46
